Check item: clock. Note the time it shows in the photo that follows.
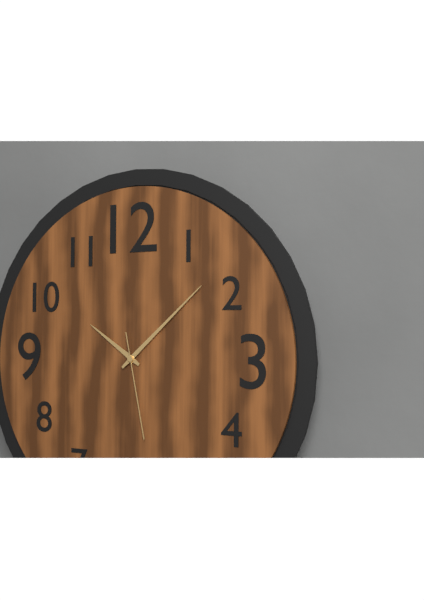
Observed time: 10:08:28
